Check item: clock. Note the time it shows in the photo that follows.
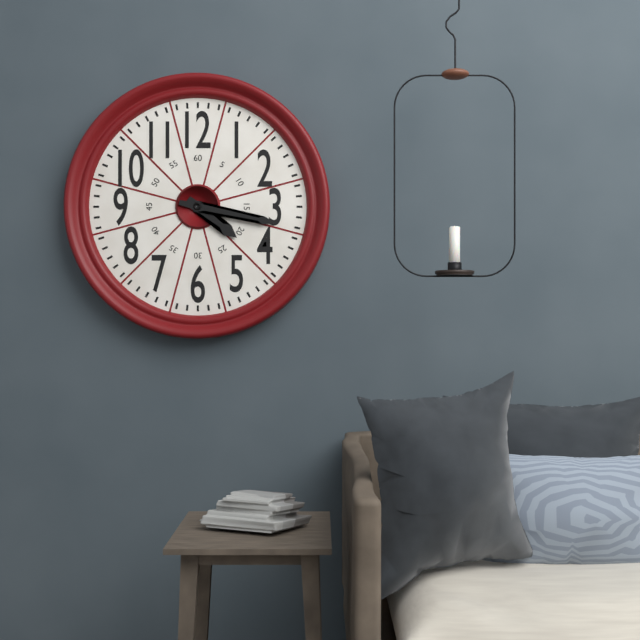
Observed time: 4:17
